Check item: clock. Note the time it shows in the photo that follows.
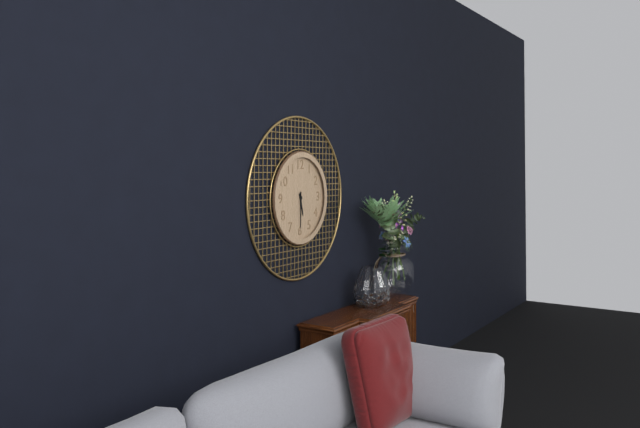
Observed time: 5:30
